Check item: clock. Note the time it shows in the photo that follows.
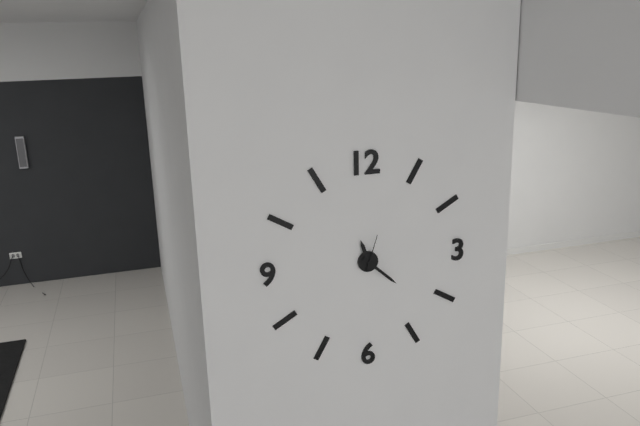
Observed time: 11:22
